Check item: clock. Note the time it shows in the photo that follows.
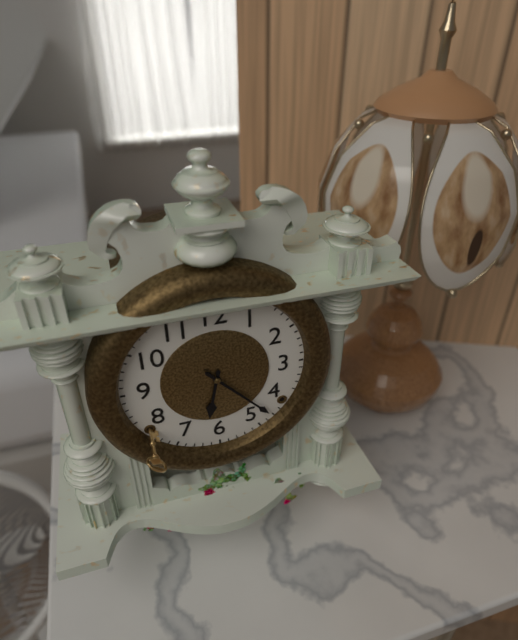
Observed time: 6:23
